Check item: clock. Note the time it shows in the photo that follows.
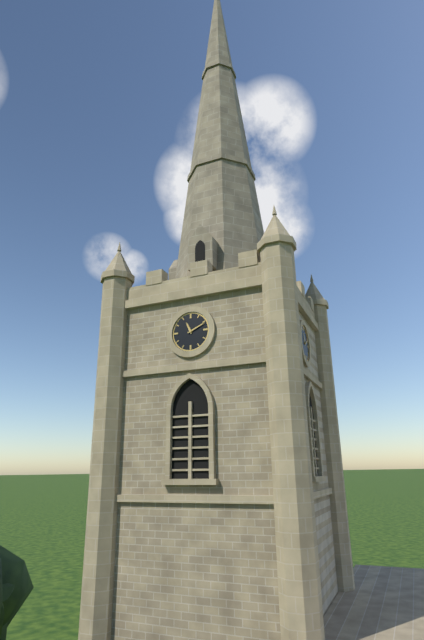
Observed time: 11:11
